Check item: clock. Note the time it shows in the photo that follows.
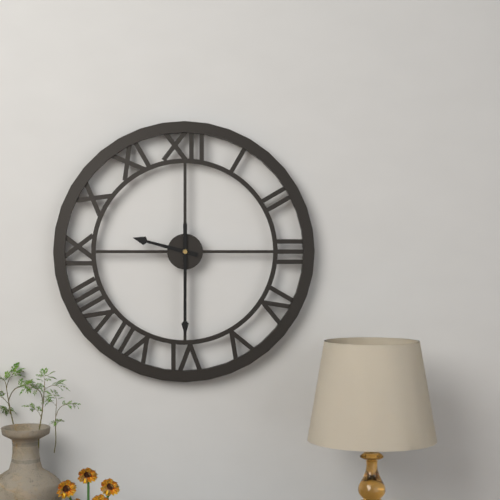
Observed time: 9:30
